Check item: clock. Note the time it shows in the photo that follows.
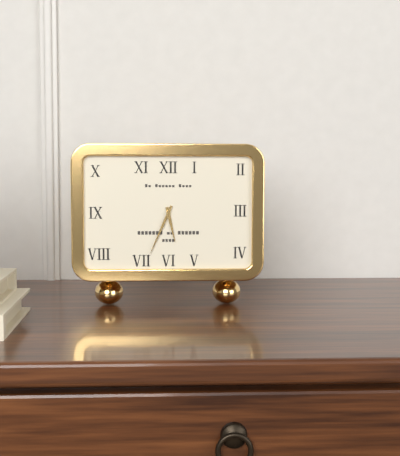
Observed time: 5:34
